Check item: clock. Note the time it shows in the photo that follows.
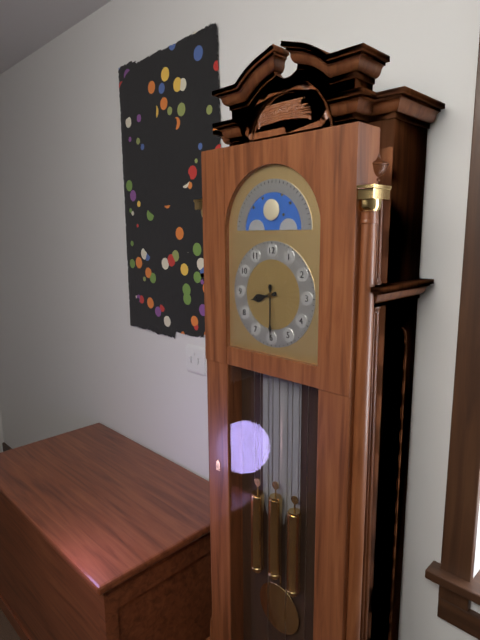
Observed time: 8:30
